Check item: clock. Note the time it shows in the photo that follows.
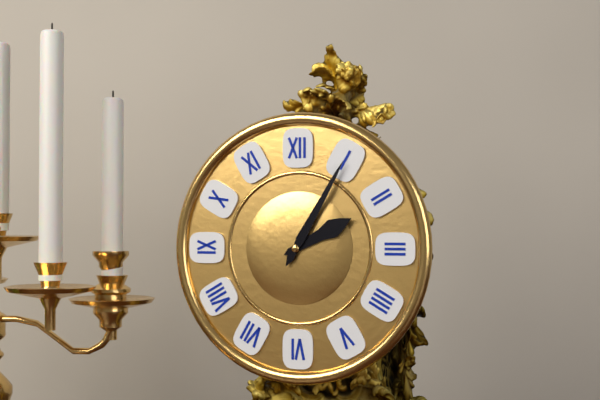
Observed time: 2:05
